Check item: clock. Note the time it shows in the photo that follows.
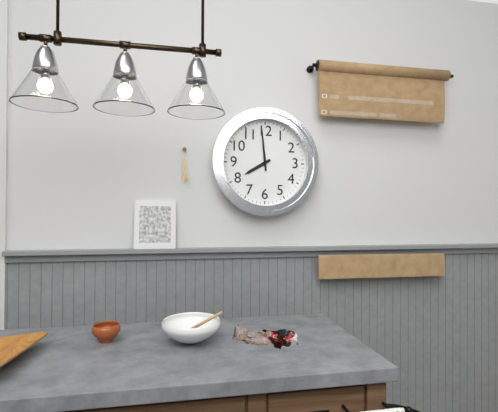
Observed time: 7:59
